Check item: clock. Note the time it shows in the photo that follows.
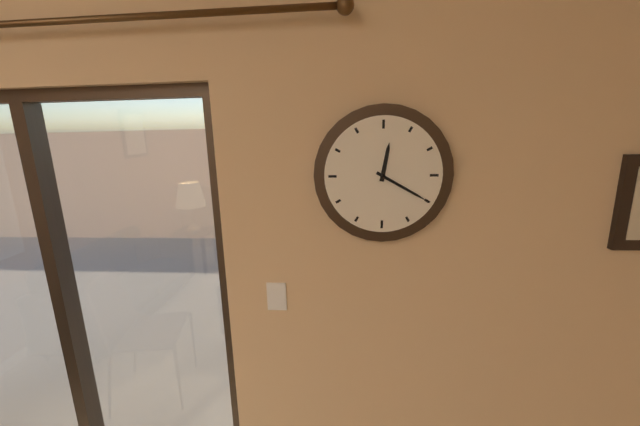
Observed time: 12:20
